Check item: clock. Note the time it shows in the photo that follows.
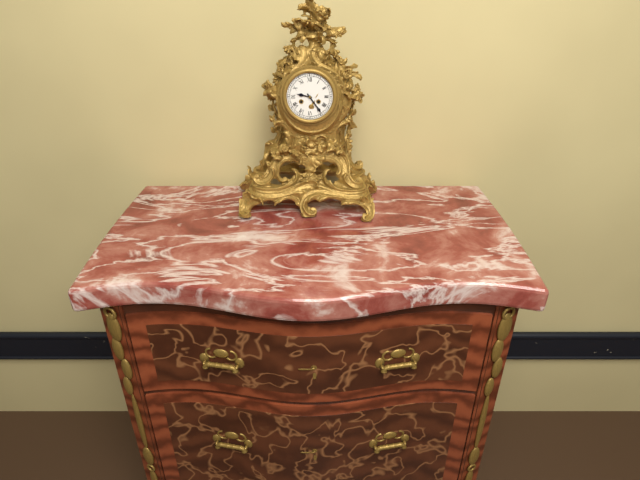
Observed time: 9:24
